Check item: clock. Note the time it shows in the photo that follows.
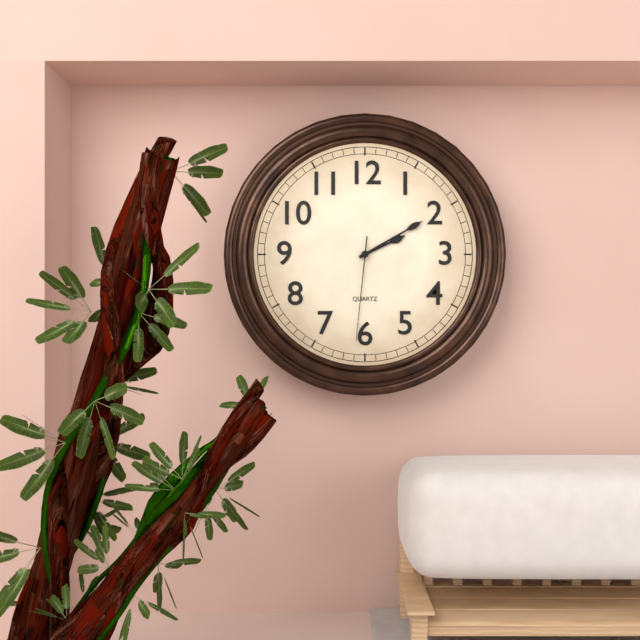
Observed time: 2:10:31
